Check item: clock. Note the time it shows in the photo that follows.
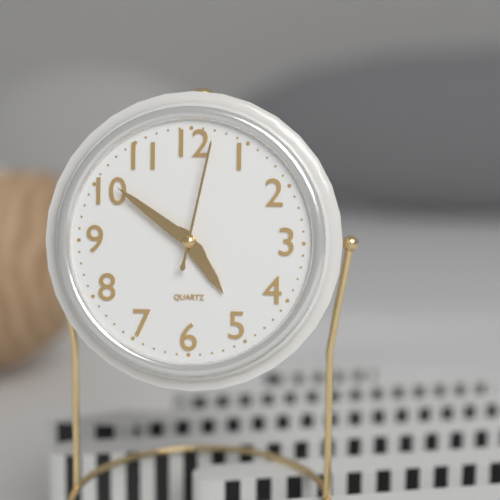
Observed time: 4:51:02
